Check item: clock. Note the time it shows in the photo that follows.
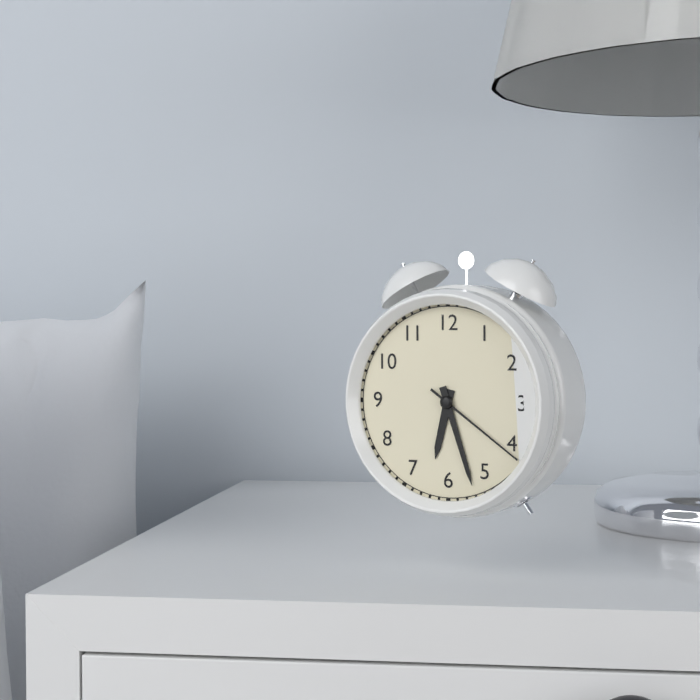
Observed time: 6:27:21
